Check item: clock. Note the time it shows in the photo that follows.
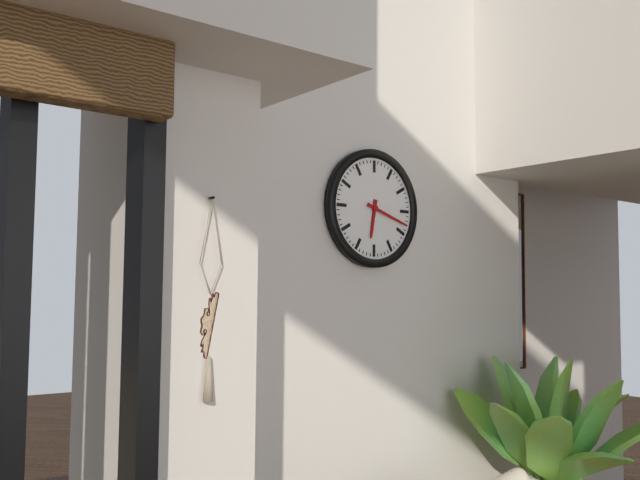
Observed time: 6:18
